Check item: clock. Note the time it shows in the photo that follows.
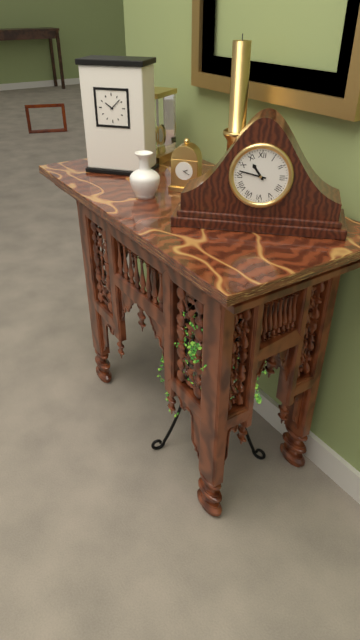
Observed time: 10:47
